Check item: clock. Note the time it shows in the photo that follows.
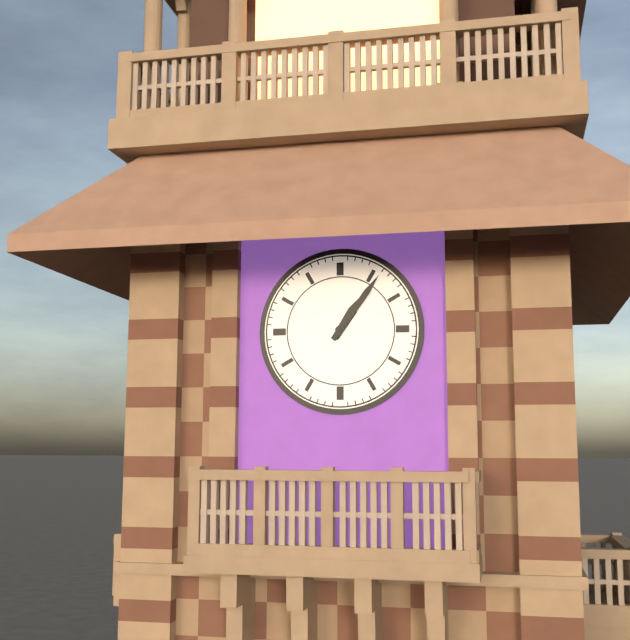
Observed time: 1:06
